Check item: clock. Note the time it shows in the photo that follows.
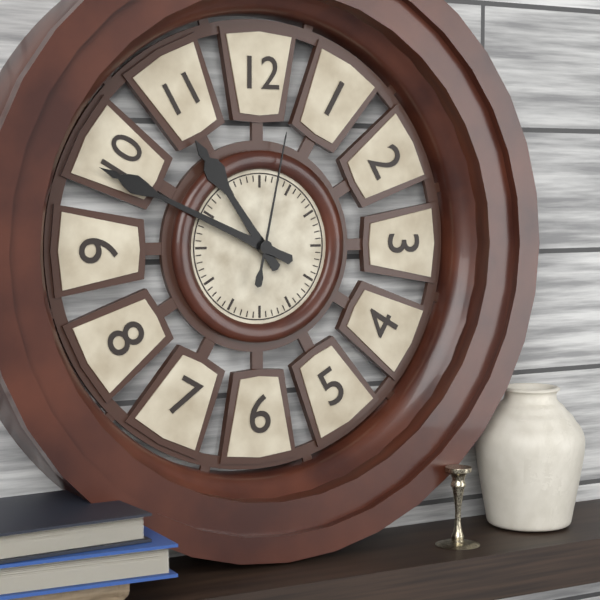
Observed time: 10:49:02
